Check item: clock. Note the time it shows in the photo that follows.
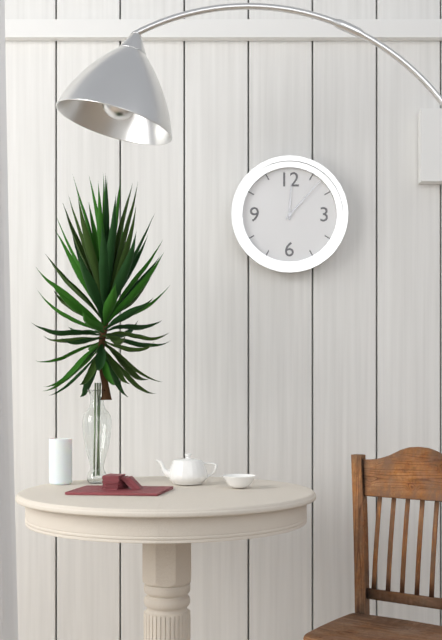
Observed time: 12:07
